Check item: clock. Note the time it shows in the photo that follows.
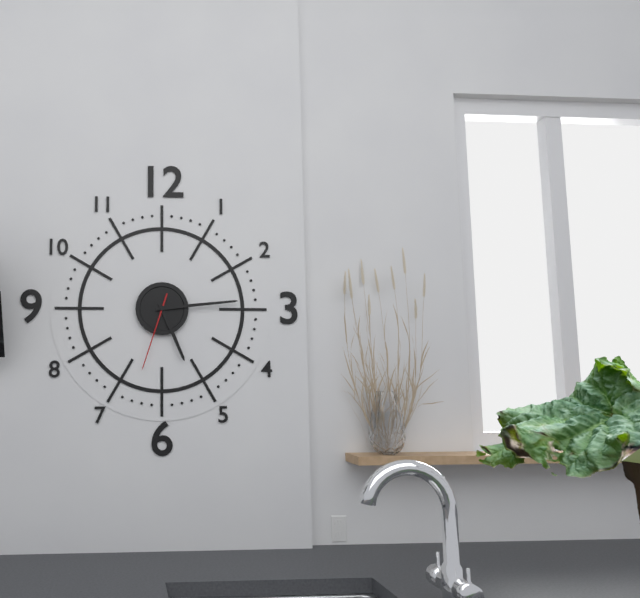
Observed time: 5:14:33
